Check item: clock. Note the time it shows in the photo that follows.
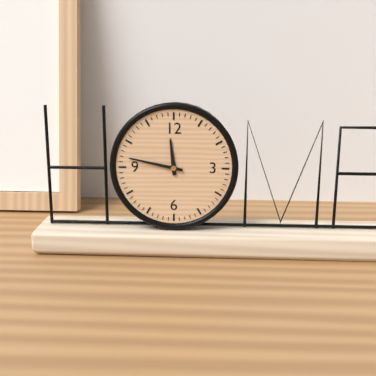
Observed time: 11:47
